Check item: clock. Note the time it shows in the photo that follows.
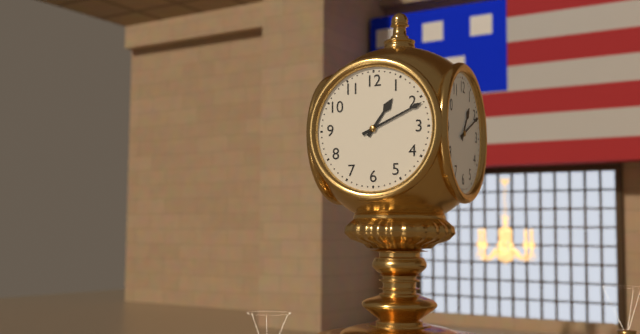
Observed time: 1:11
